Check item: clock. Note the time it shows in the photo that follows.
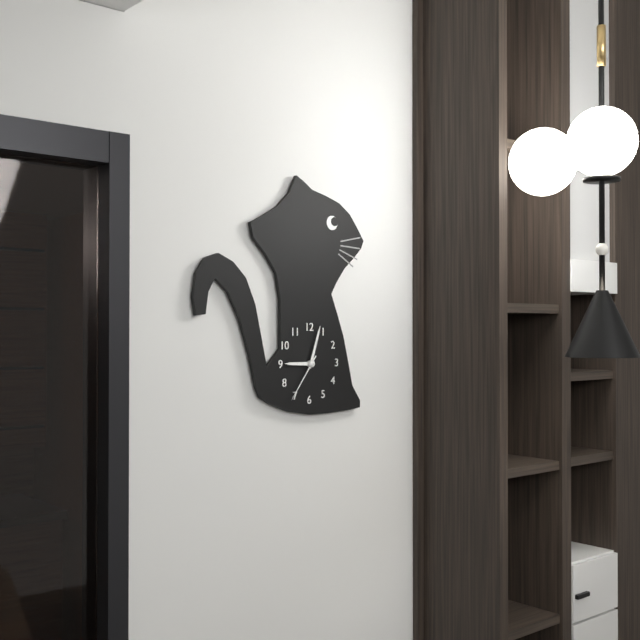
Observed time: 9:03:36
